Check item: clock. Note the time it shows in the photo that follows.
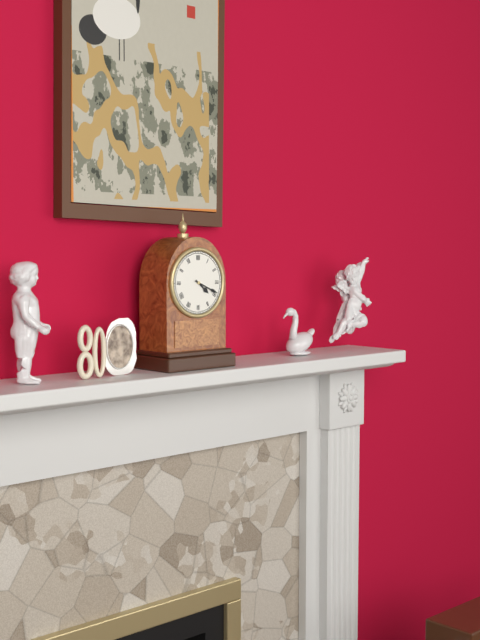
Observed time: 4:19
